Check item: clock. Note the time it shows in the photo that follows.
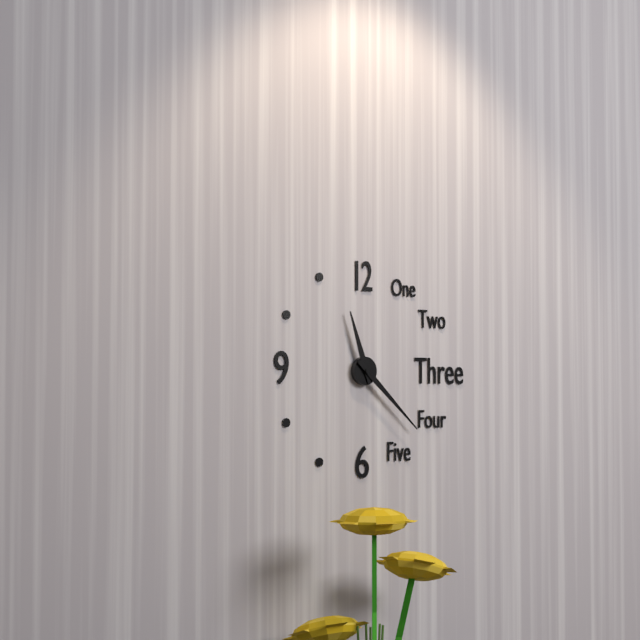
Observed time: 11:22
